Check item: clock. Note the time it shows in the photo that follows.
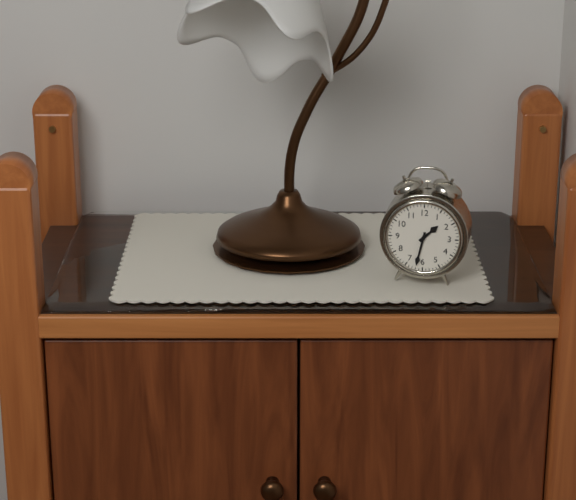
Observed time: 1:32
